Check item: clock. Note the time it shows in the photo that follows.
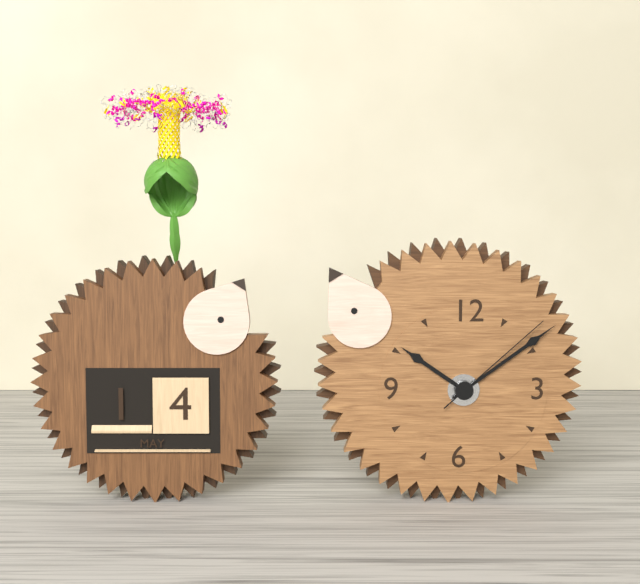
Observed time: 10:09:08
